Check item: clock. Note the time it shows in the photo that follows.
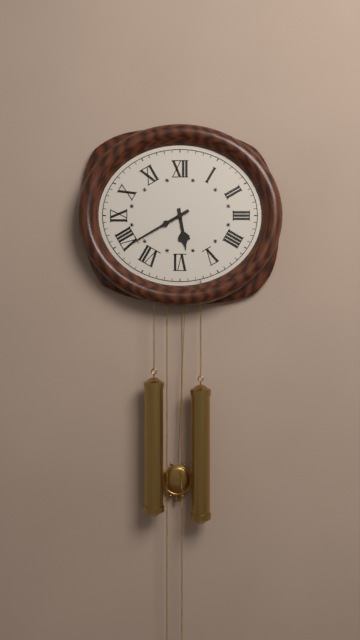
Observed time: 5:40
